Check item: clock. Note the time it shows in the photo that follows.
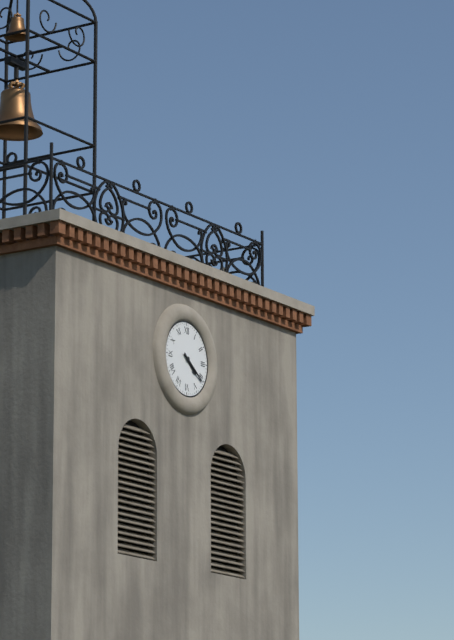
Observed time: 4:21
